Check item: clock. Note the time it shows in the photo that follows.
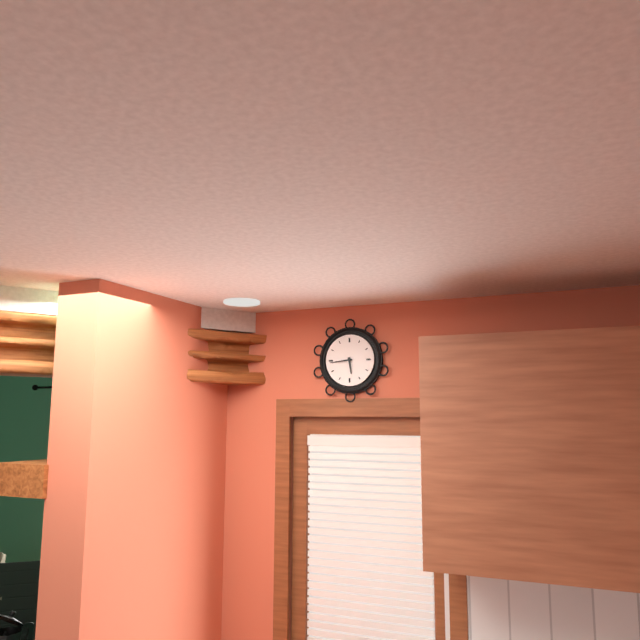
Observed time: 5:44
